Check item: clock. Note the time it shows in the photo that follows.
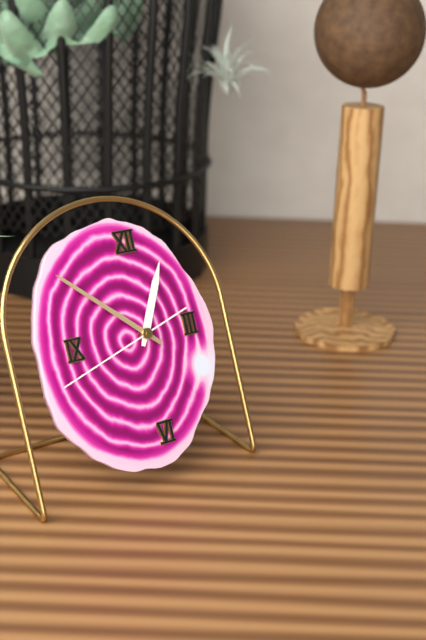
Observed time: 12:52:42
